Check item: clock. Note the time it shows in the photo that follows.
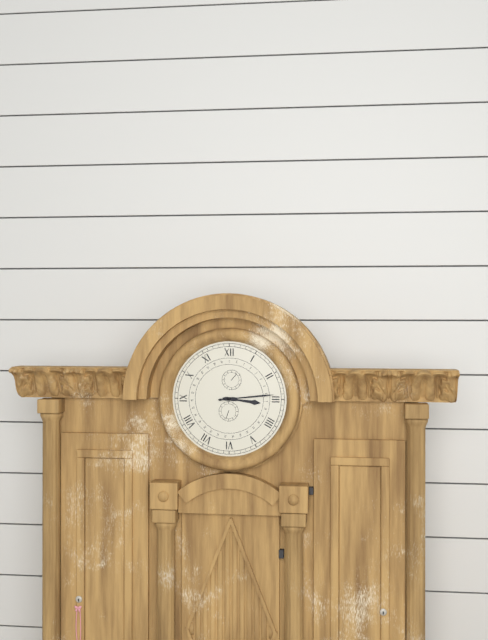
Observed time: 3:14
